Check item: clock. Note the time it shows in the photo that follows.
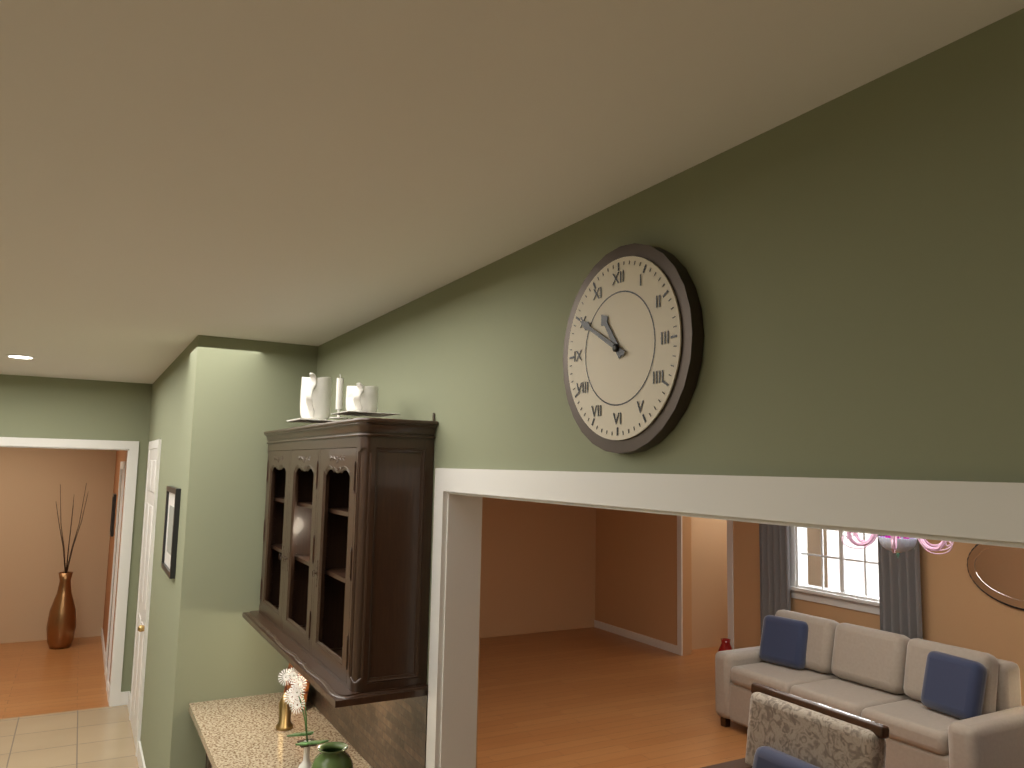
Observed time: 10:50
